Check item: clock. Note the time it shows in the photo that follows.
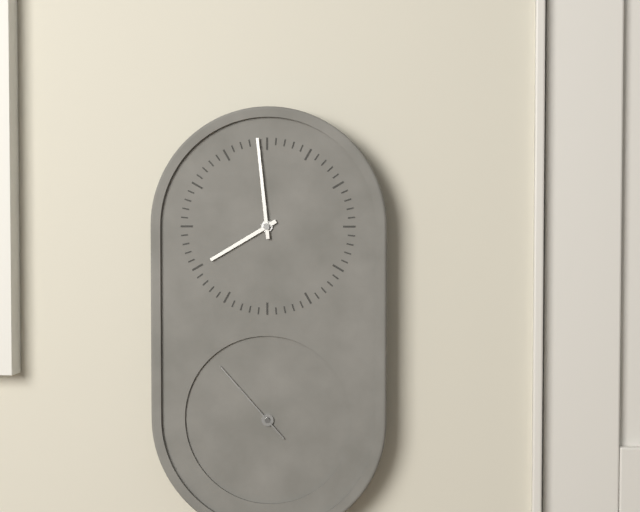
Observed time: 7:59:53
